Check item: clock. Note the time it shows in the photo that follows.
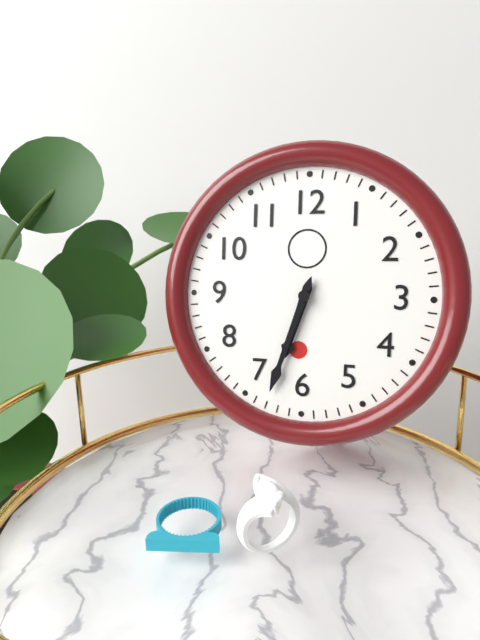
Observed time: 6:33
